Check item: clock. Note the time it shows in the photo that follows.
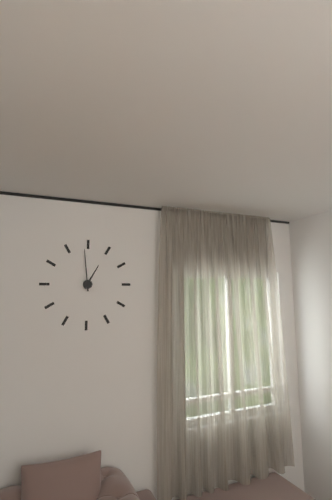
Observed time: 12:59
